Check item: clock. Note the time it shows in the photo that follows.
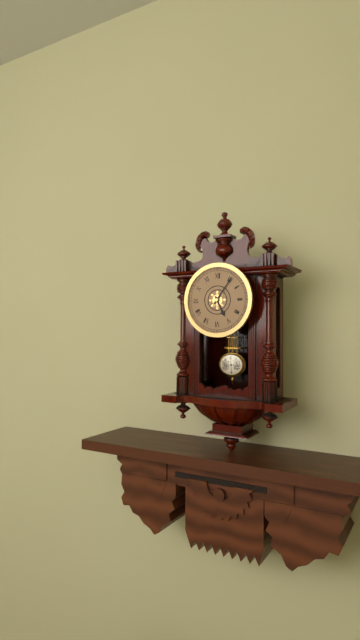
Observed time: 5:06
